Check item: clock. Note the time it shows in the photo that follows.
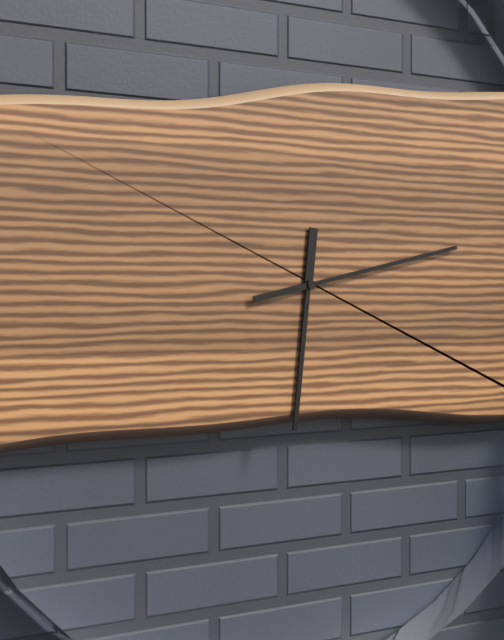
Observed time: 6:13
